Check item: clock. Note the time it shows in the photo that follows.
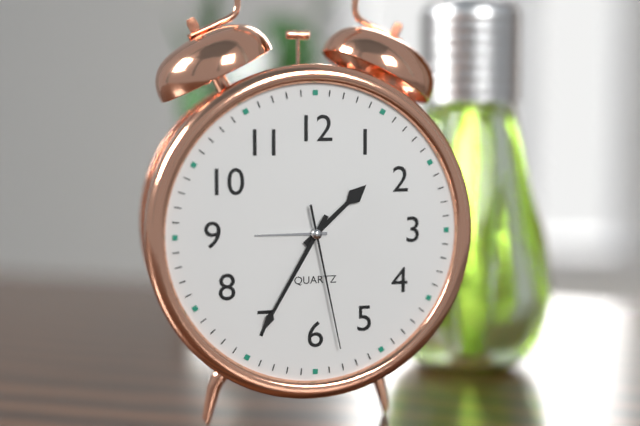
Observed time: 1:35:28
